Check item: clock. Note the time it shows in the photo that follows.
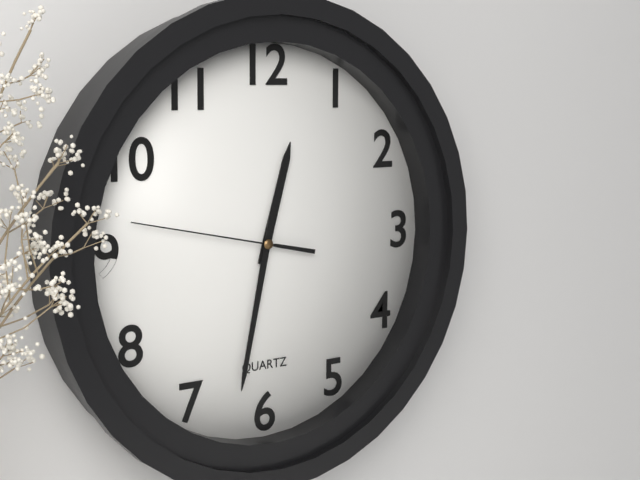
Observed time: 12:32:47
